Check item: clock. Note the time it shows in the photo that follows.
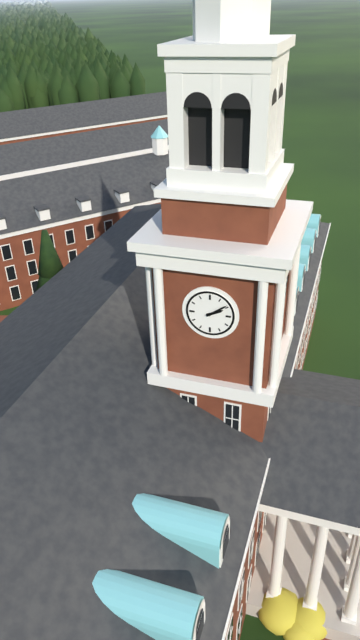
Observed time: 2:09
